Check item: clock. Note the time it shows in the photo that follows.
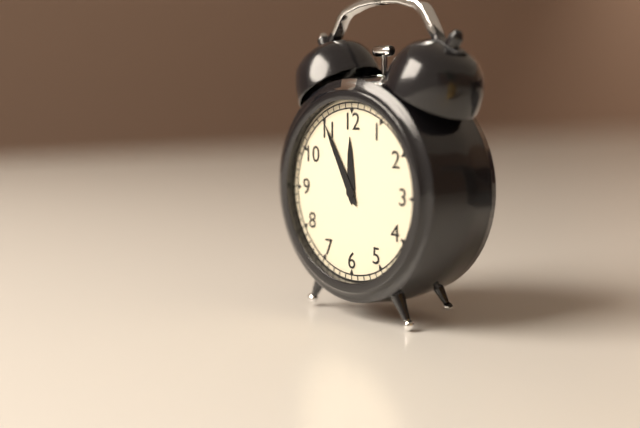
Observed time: 11:55
